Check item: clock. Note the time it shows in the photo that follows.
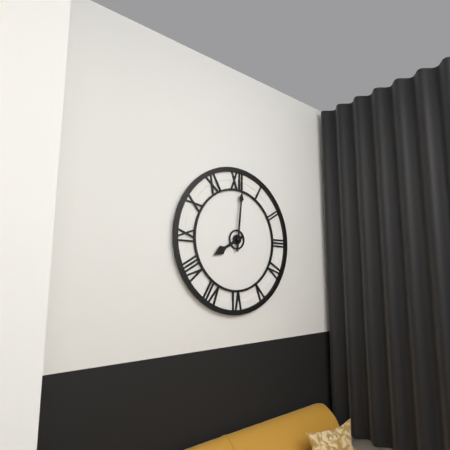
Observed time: 8:01
